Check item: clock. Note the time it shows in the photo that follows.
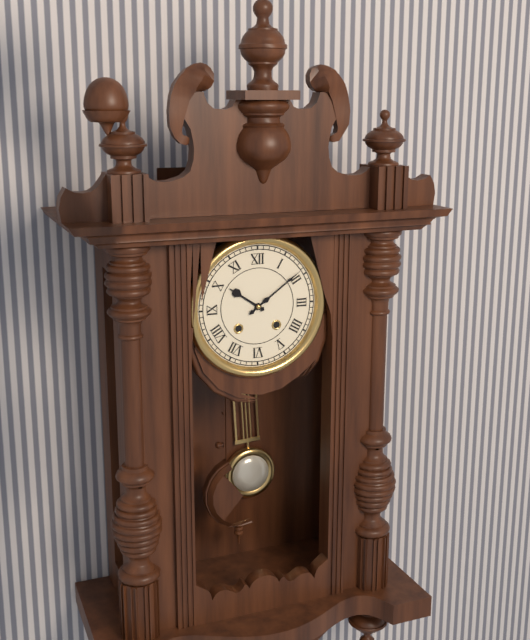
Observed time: 10:09
